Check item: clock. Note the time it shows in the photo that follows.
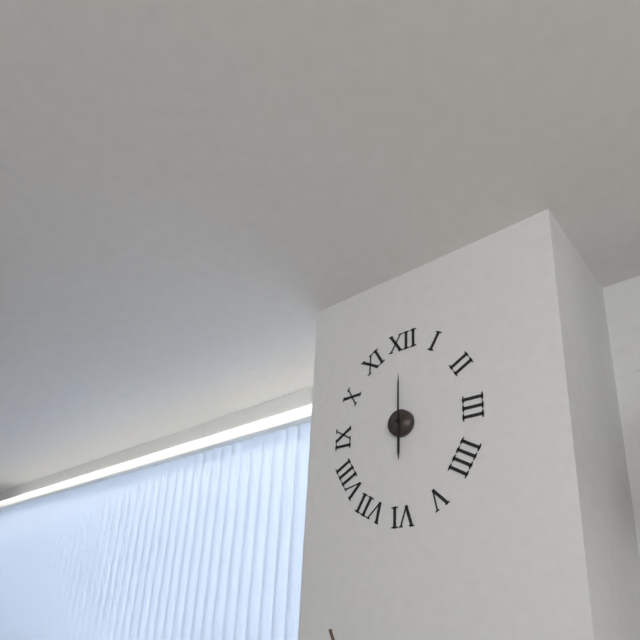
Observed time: 6:00
